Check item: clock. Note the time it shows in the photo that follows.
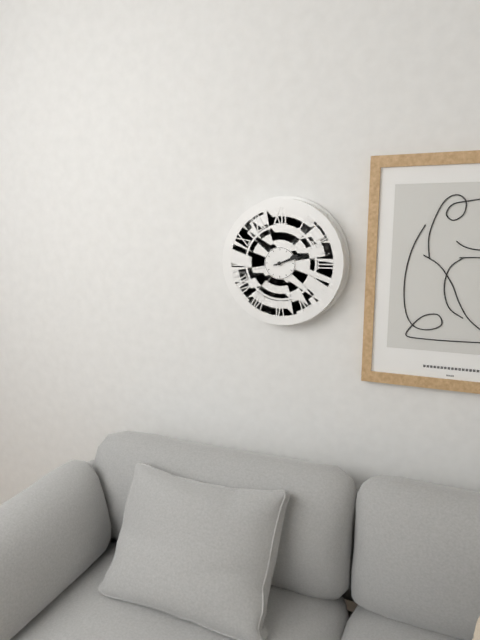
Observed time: 2:12
